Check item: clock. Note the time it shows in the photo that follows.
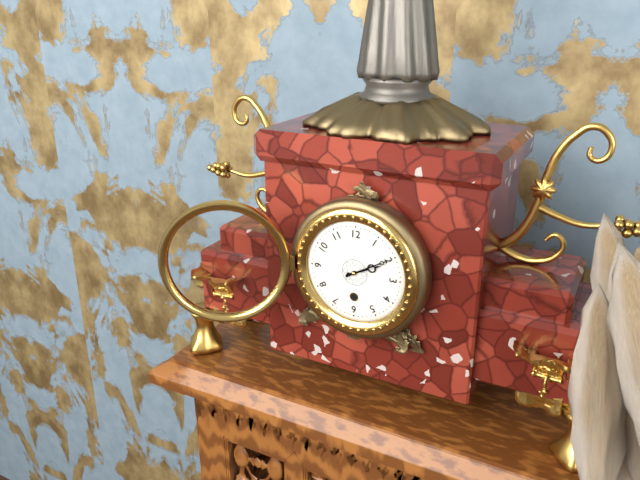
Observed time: 2:10
